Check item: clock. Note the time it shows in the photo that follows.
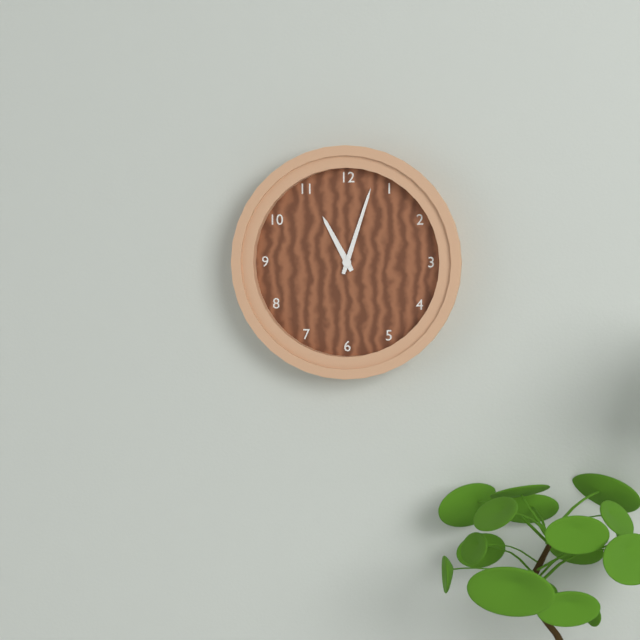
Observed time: 11:03
